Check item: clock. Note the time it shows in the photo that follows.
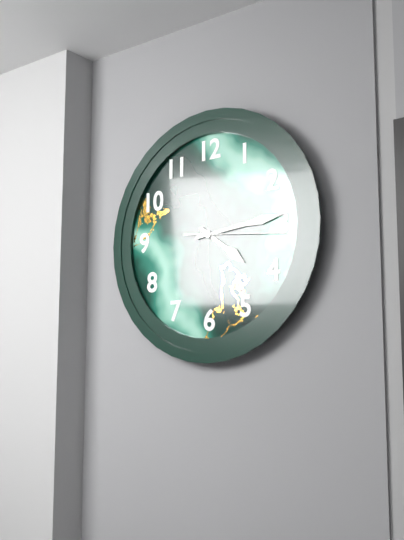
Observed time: 4:14:16
